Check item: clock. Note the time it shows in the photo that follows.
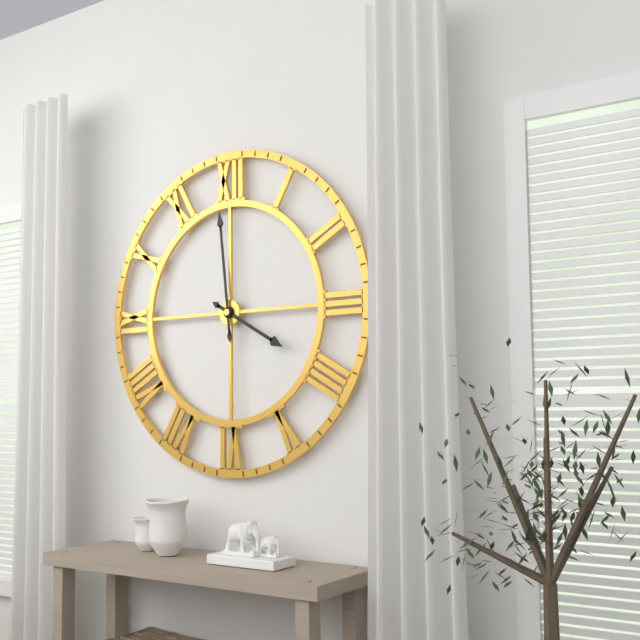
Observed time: 3:59
